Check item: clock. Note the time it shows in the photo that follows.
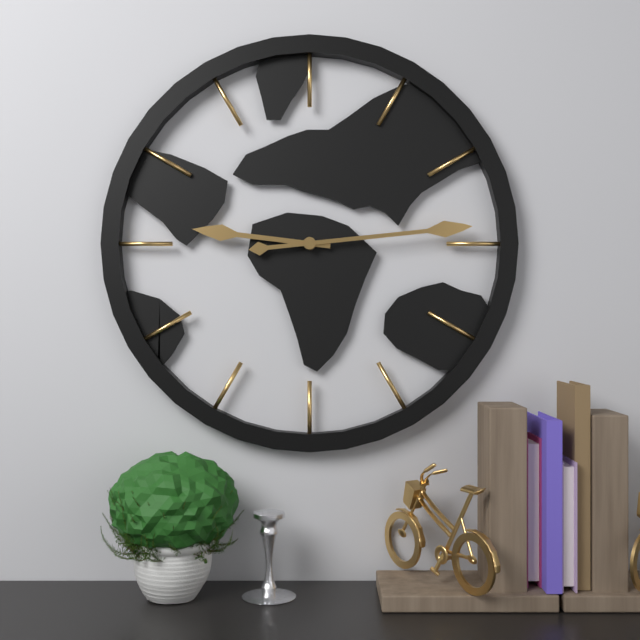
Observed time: 9:14
